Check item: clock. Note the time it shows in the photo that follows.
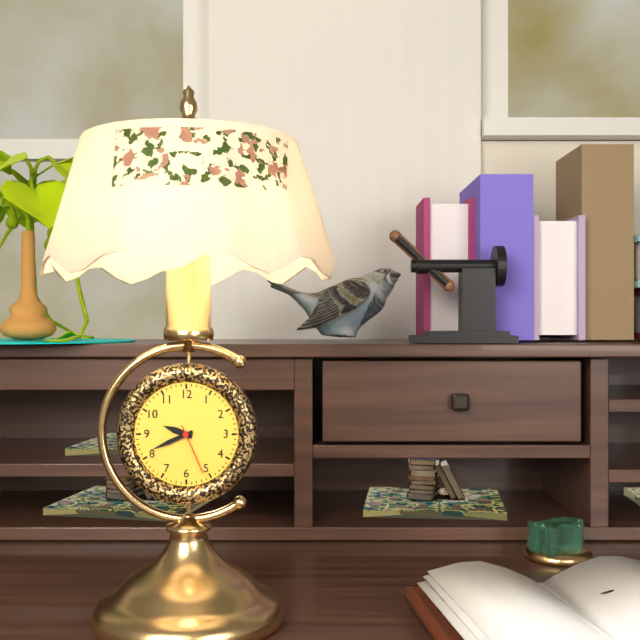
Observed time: 9:41:26
